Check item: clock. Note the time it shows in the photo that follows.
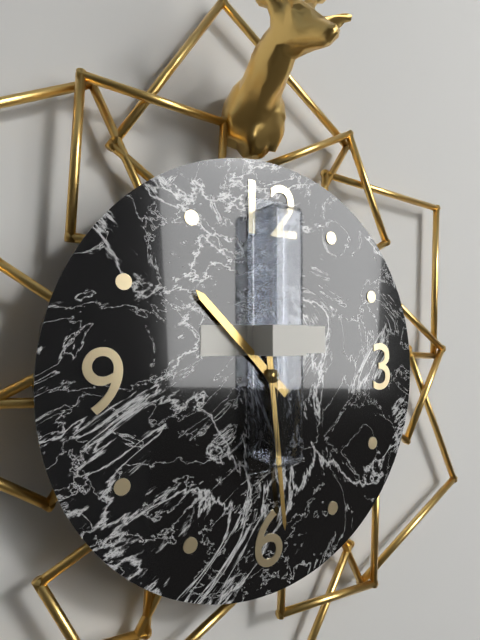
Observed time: 10:29
